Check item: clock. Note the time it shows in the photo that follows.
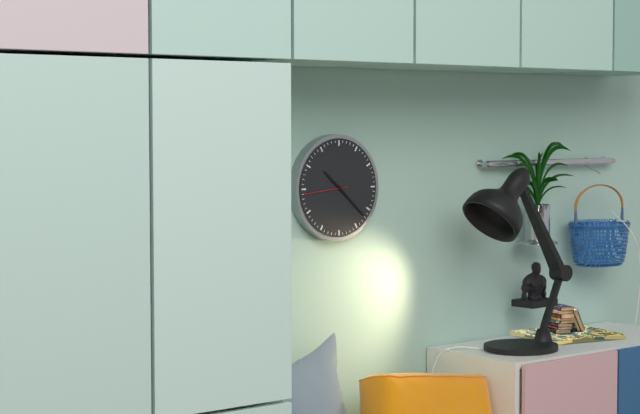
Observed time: 10:22
